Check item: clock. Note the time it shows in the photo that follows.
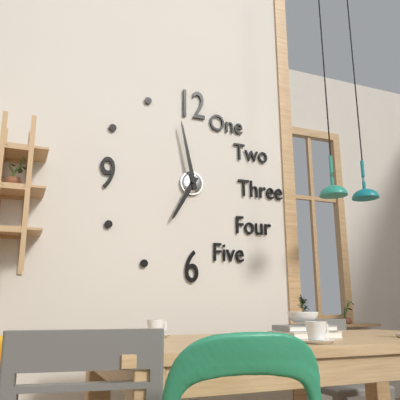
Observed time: 6:58
